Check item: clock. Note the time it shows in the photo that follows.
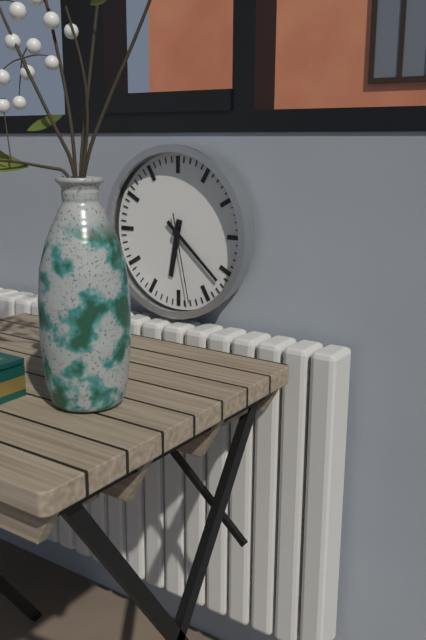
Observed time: 6:22:28
